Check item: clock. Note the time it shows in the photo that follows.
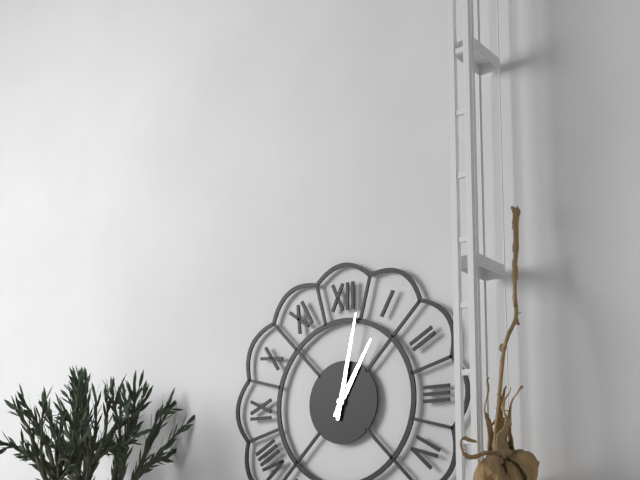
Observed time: 1:02
